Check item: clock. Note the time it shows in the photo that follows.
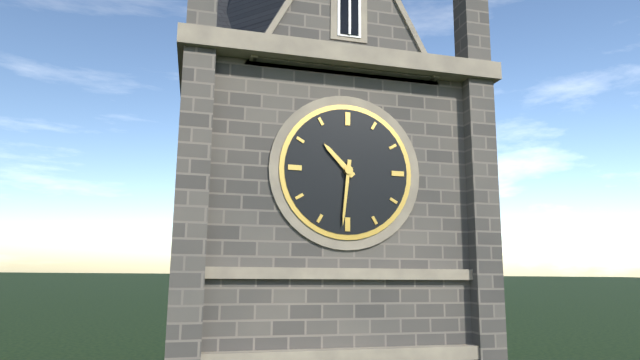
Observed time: 10:31
